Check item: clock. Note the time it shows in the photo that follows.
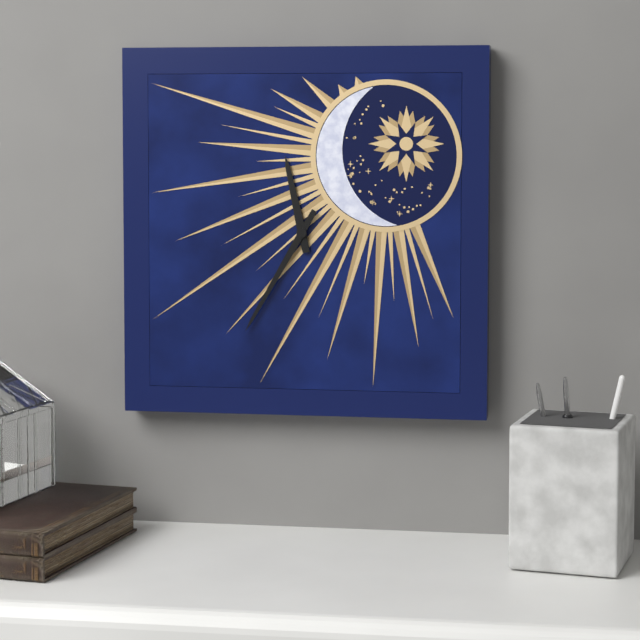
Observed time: 11:35
